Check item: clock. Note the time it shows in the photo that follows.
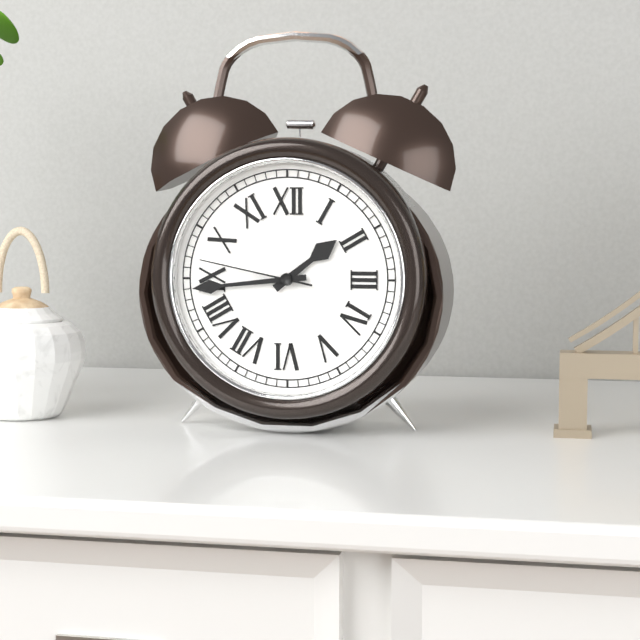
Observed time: 1:44:47
